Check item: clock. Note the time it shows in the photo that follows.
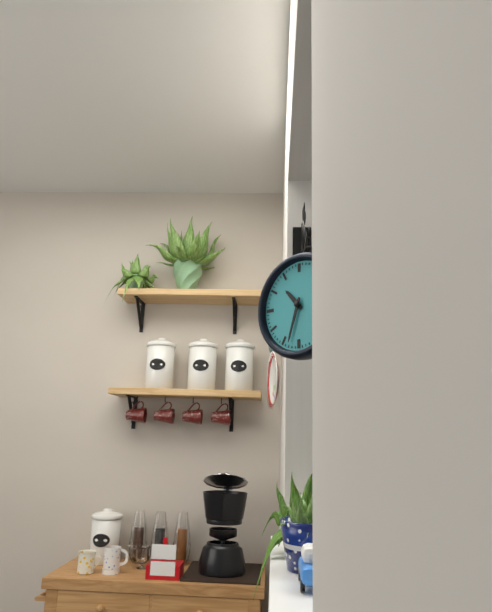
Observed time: 10:33
